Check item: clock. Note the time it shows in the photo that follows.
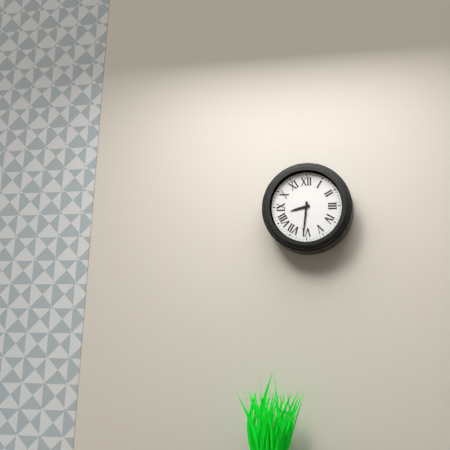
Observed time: 8:31
